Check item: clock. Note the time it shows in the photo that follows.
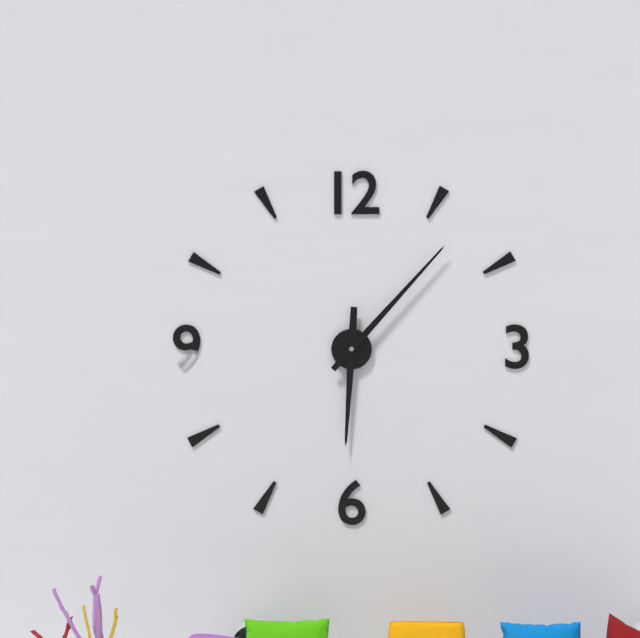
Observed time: 6:07
